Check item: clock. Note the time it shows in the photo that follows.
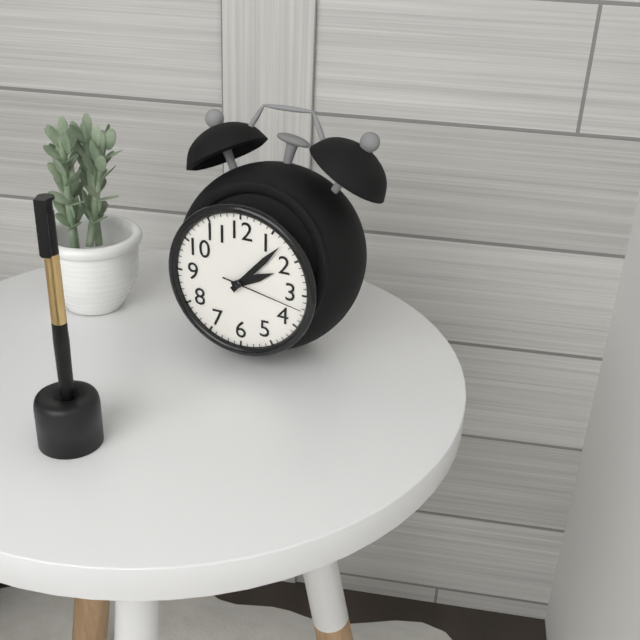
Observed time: 2:07:17
